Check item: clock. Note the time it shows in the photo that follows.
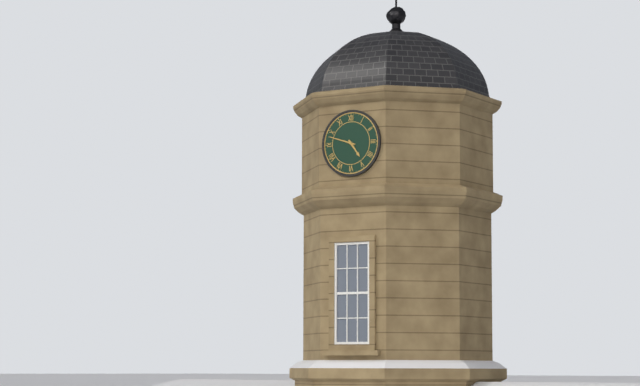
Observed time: 4:48
